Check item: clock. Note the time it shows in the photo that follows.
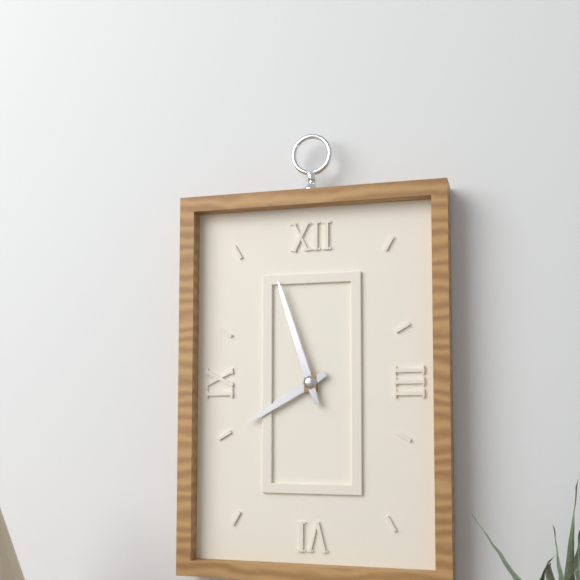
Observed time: 7:57
